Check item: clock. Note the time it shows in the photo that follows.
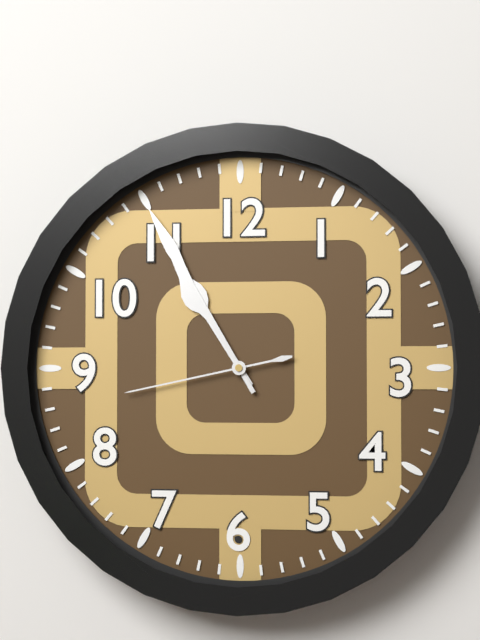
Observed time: 10:55:43
